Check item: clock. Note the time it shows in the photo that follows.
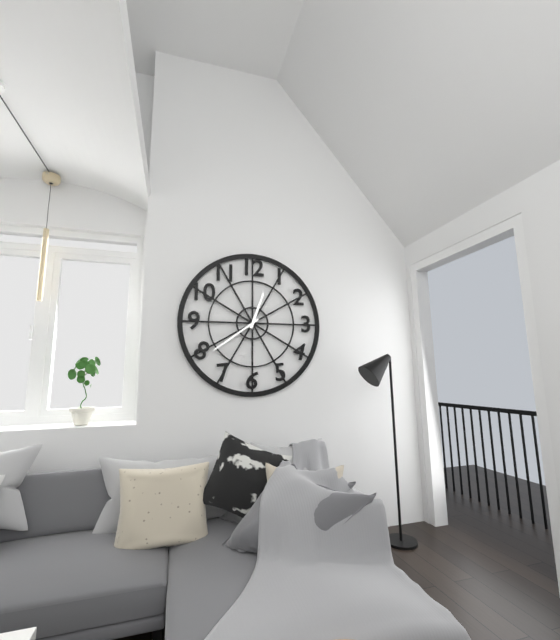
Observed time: 12:39
